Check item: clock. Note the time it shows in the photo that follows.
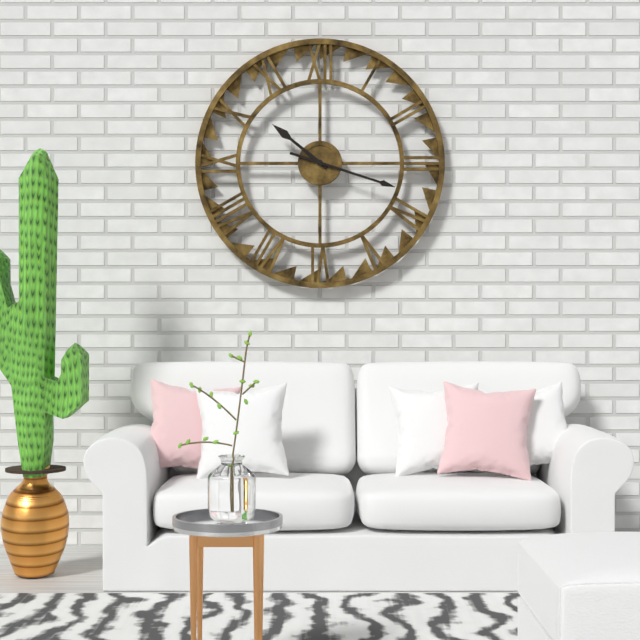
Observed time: 10:18
